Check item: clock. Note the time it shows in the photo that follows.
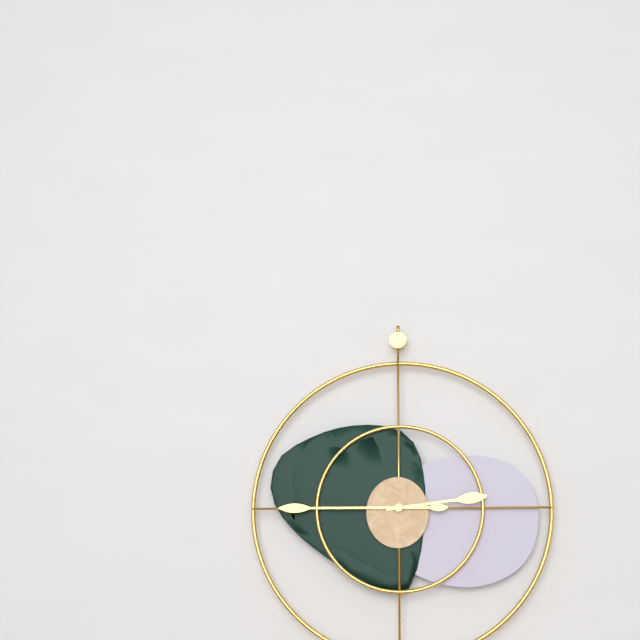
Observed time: 2:45
